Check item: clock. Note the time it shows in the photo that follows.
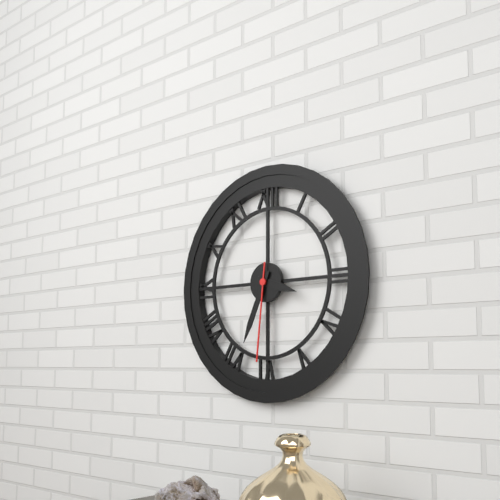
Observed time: 3:34:31
